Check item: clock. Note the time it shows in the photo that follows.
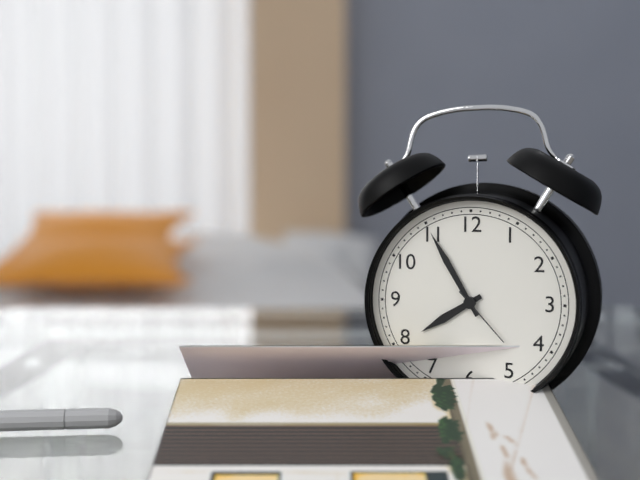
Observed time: 7:55:23
